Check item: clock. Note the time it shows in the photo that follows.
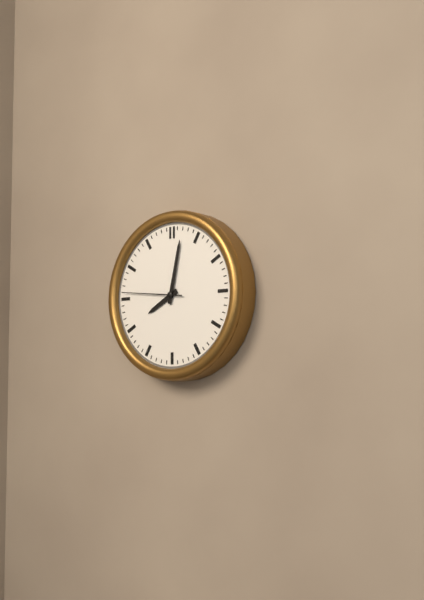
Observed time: 8:02:46
